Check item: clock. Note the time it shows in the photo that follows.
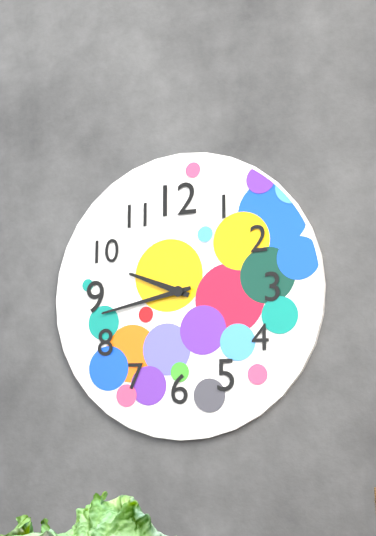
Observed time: 9:43
